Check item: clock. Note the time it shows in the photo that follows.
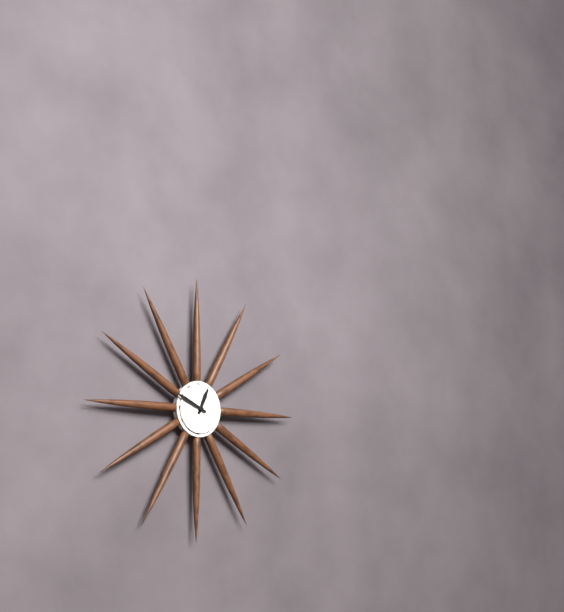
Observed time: 12:49
